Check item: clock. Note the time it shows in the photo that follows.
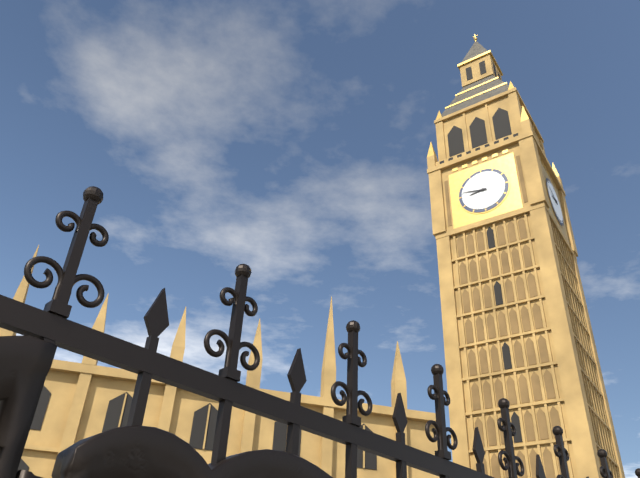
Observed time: 8:47
